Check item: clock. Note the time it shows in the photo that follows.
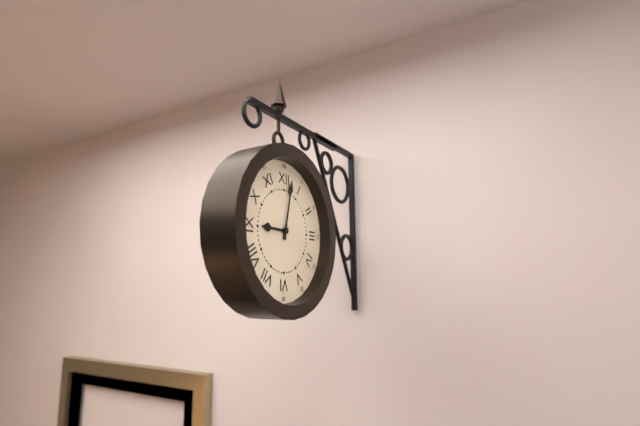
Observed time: 9:02
